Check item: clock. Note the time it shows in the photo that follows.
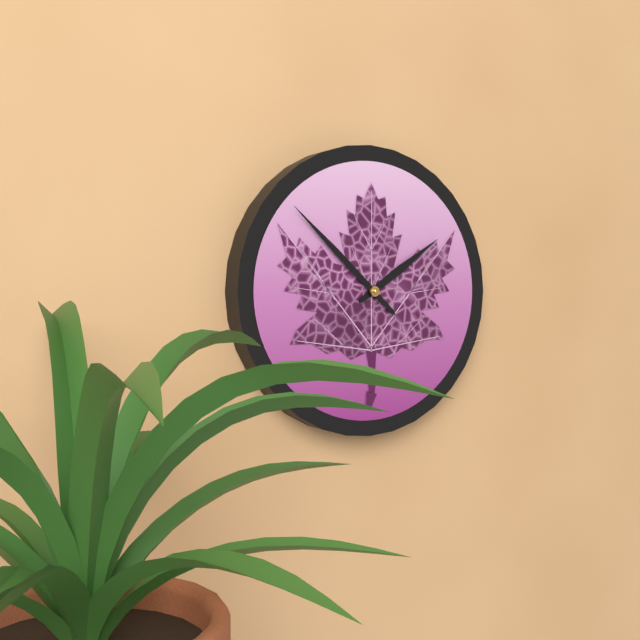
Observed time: 1:52
